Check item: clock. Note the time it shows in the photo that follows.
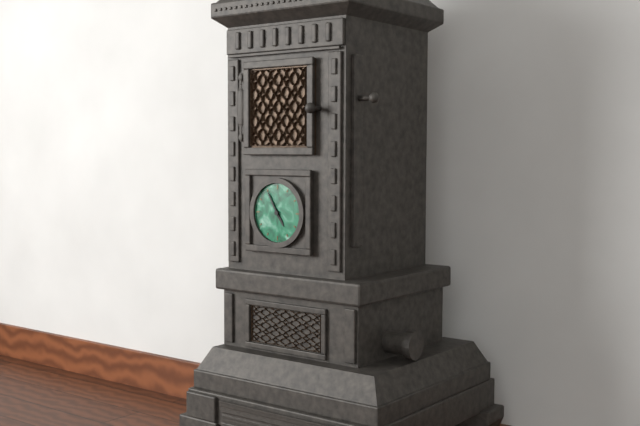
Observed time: 4:55
